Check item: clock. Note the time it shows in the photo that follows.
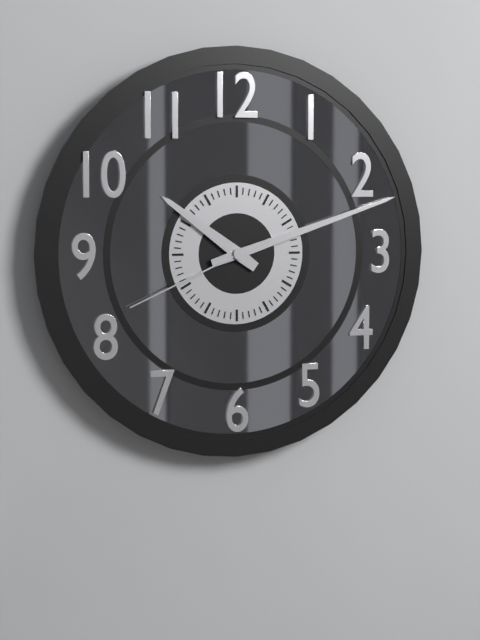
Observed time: 10:12:41
